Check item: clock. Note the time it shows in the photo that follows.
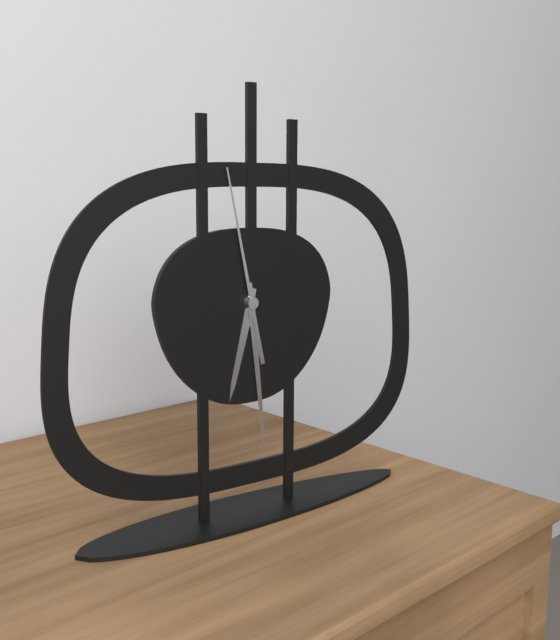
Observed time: 6:29:58
